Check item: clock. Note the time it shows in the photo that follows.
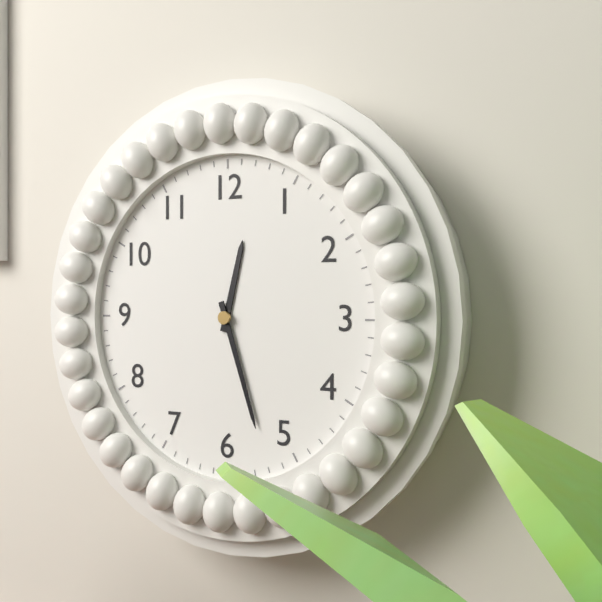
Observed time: 12:27
